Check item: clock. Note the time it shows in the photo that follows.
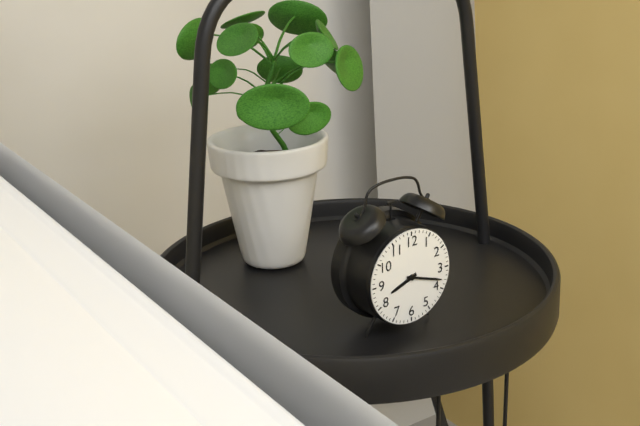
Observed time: 8:18
